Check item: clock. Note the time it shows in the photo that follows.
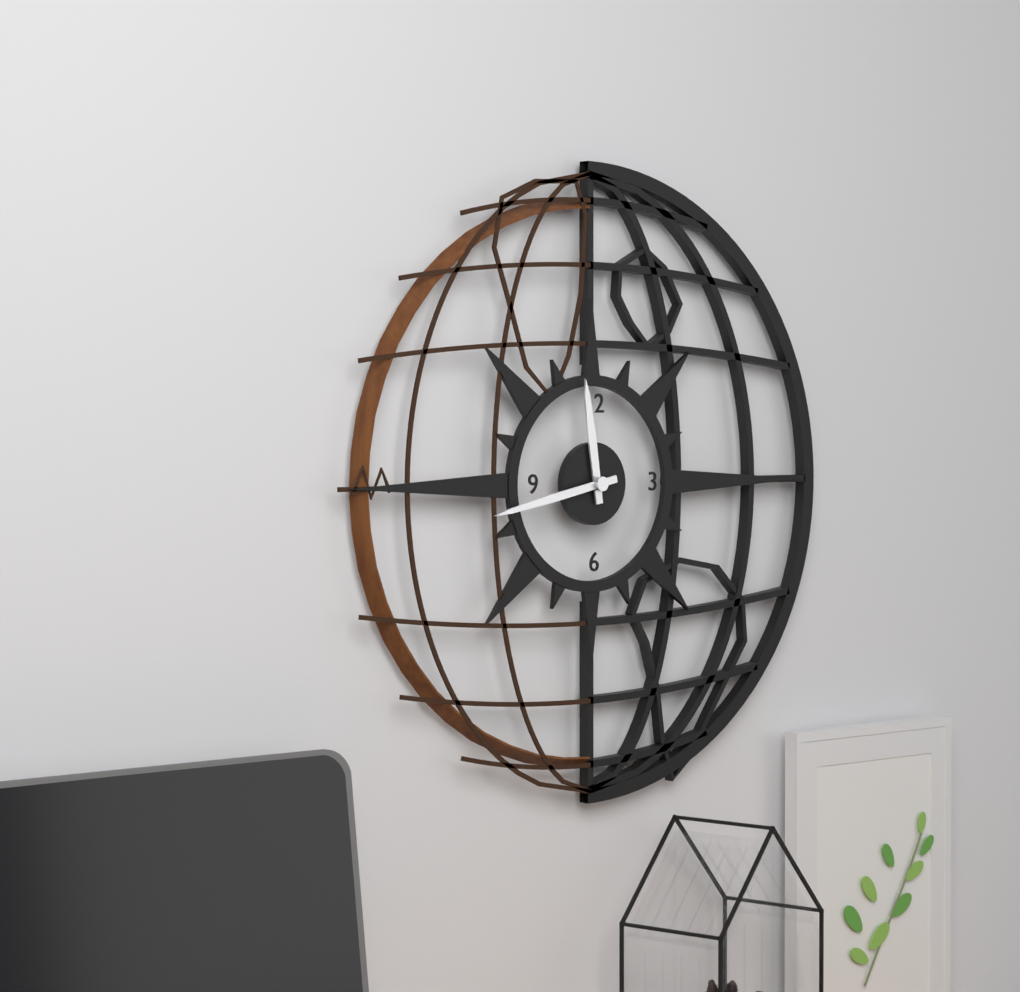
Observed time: 11:43
